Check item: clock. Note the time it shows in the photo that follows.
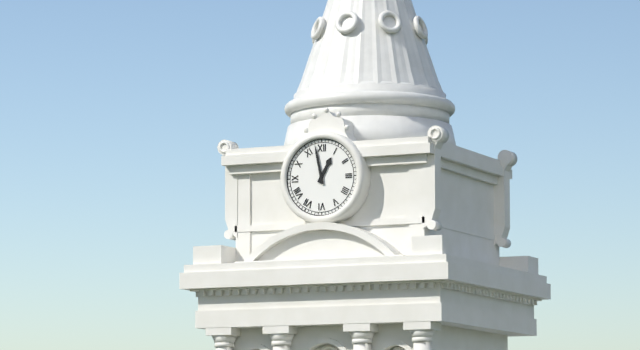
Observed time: 12:58
